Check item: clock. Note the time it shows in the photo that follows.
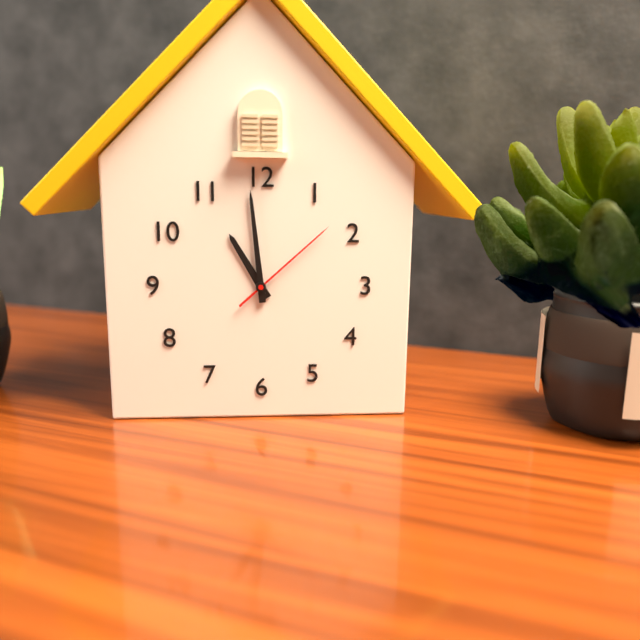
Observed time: 10:59:08
